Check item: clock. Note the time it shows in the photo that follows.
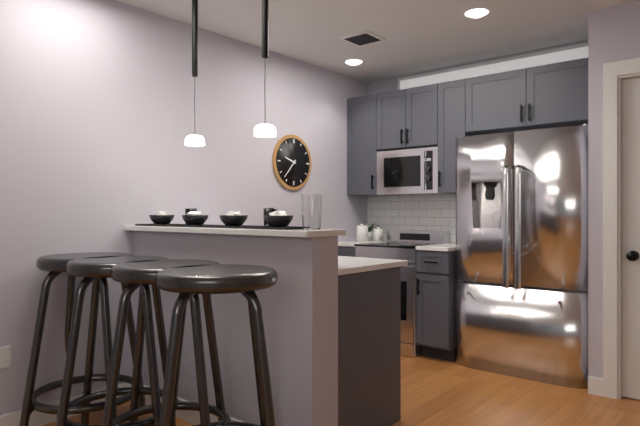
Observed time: 9:37
